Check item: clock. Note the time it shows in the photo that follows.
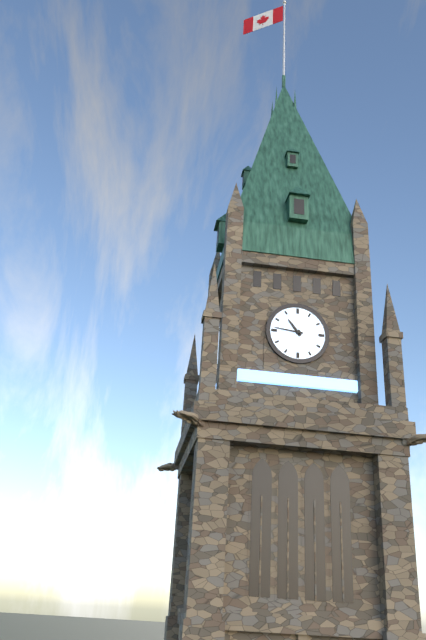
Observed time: 10:46
